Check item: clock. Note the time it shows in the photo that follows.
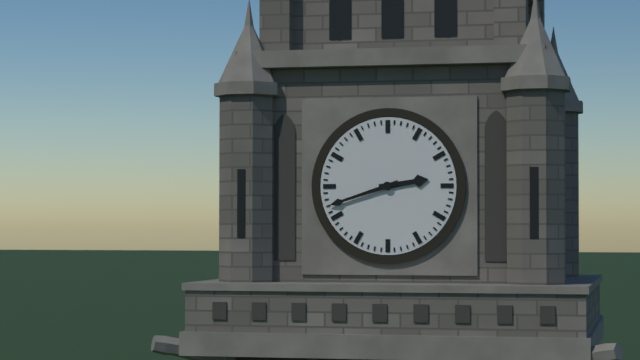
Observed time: 2:42
